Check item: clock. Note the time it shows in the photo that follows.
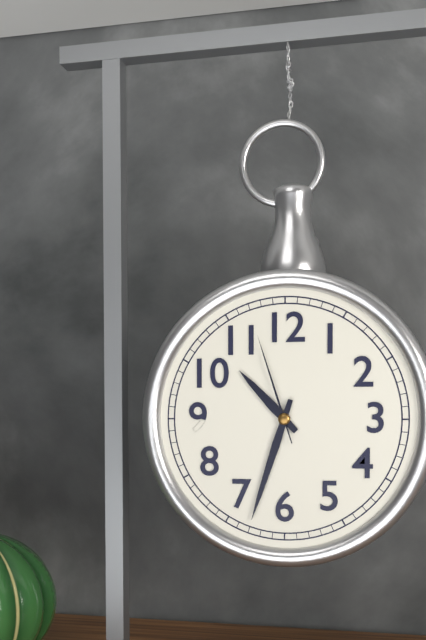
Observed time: 10:33:57
